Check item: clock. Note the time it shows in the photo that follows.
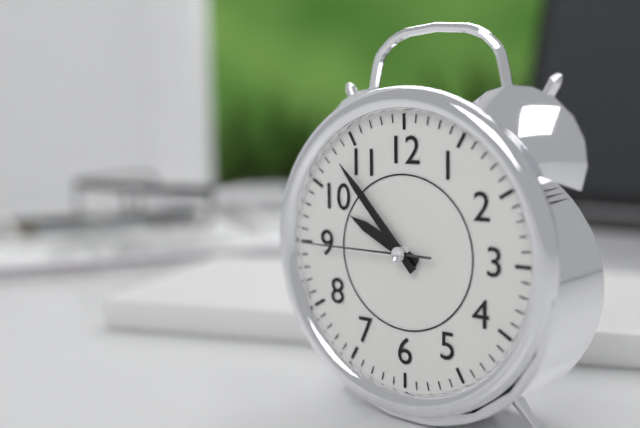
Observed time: 9:53:45
